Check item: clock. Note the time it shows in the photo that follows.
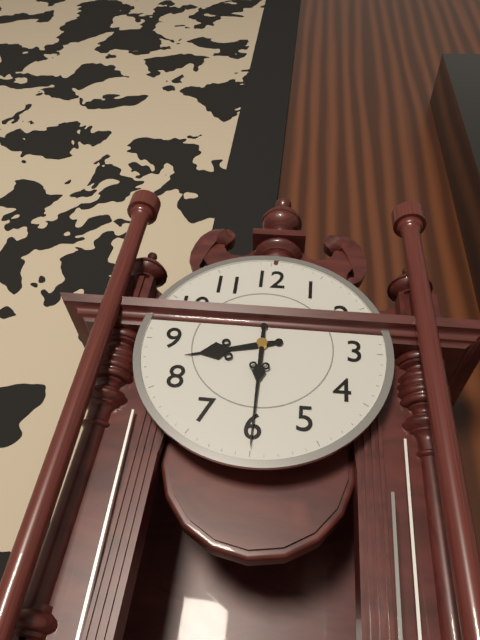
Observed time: 8:30
